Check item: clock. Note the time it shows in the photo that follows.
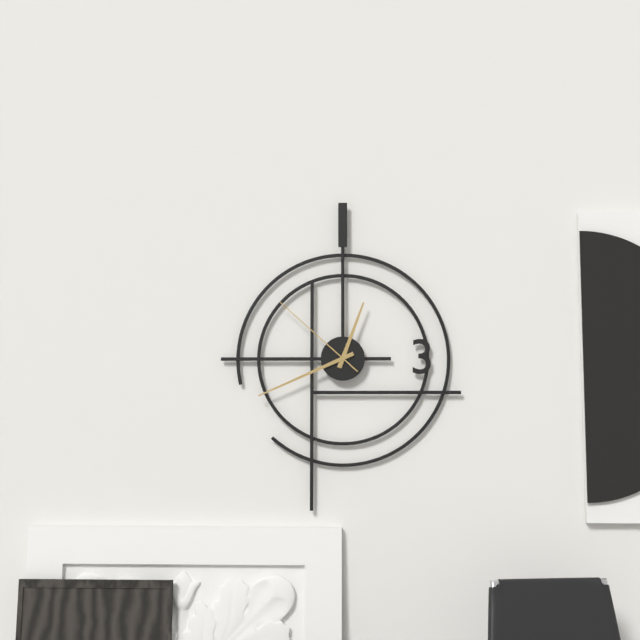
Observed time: 12:41:52
